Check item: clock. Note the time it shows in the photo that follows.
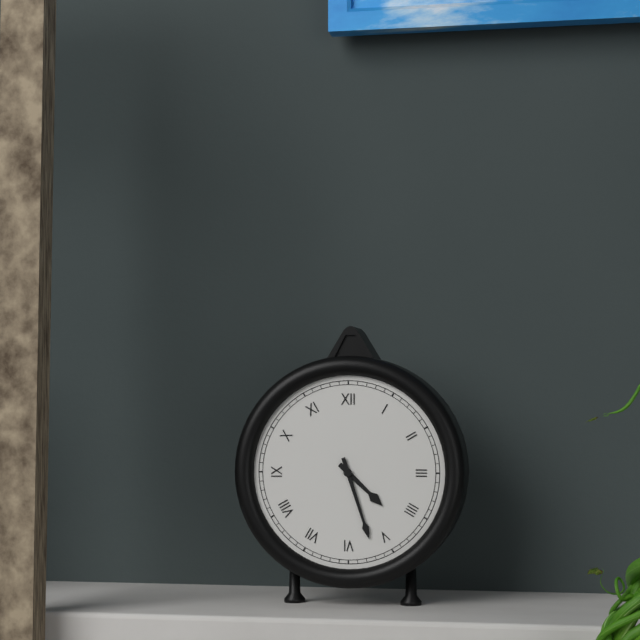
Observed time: 4:27
